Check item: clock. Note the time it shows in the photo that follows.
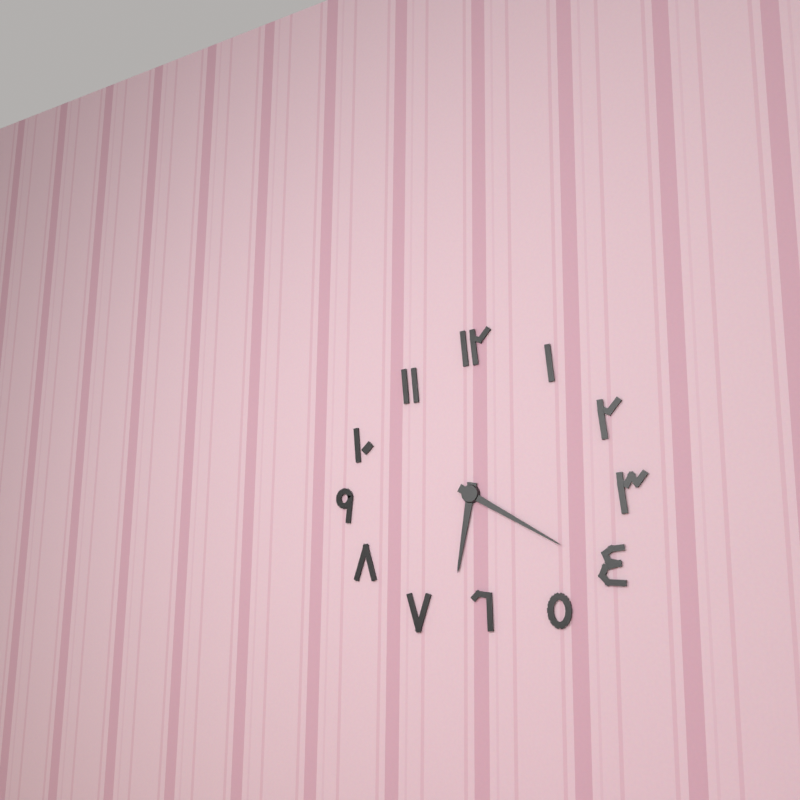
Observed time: 6:20
